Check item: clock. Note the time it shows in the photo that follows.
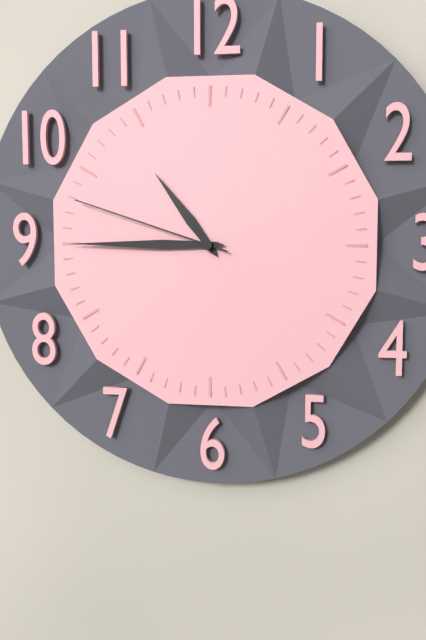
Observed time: 10:45:48
